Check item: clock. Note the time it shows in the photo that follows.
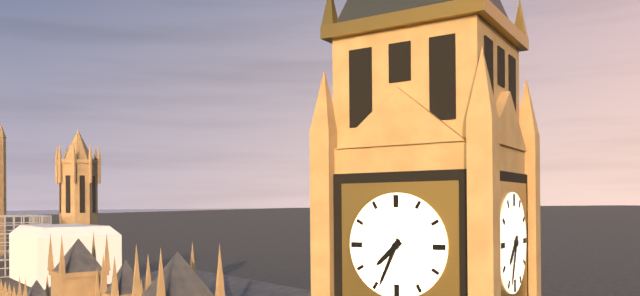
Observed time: 7:34
